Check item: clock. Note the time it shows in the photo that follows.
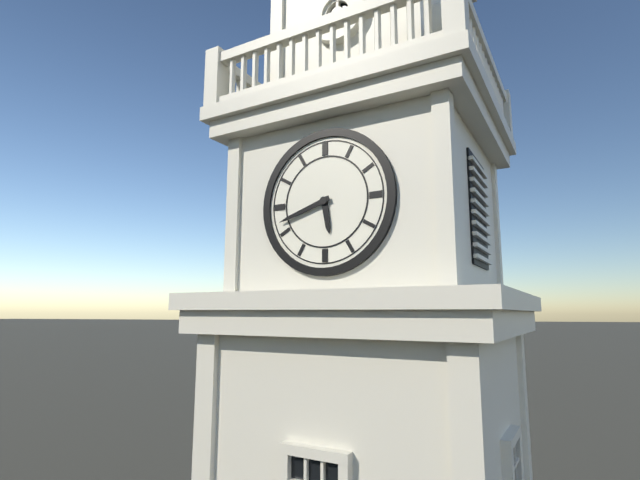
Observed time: 5:42
